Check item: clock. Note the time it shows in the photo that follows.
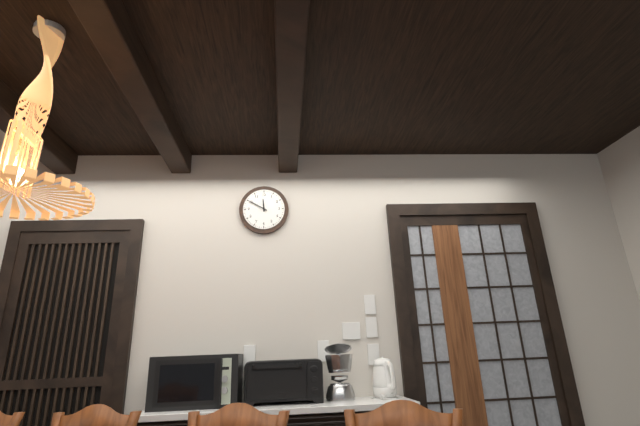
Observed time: 11:50
